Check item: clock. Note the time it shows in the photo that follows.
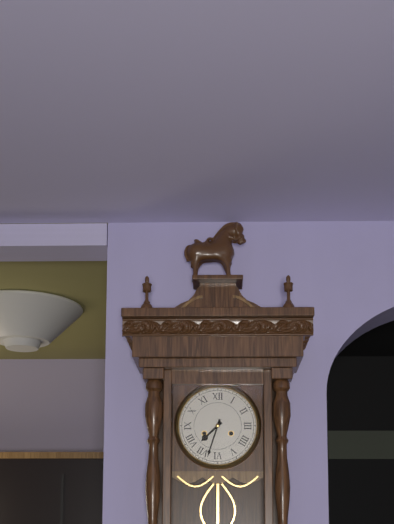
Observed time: 7:33
